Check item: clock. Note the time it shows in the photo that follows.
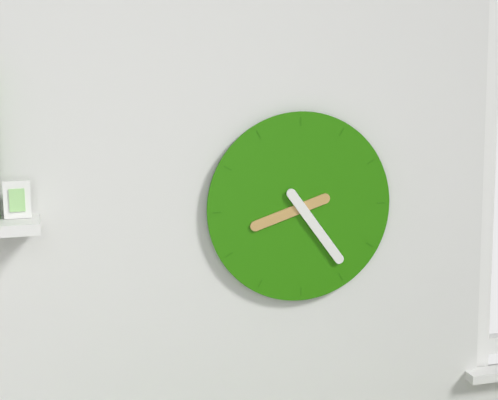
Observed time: 8:24
